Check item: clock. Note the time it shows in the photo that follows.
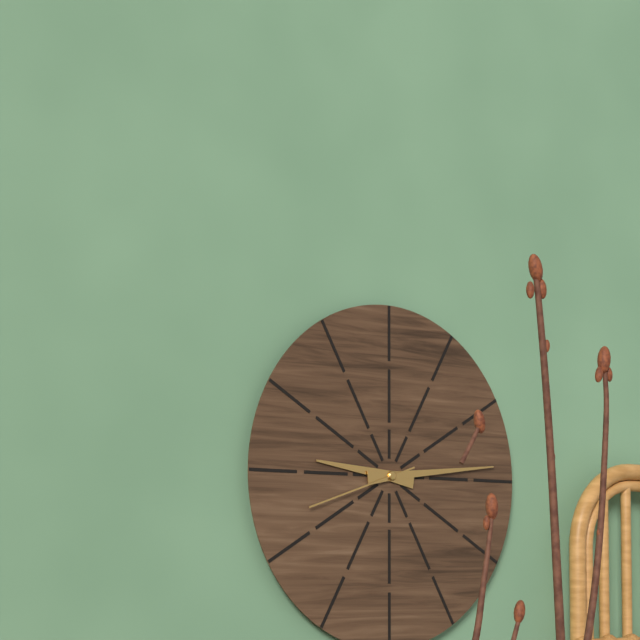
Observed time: 9:14:42
